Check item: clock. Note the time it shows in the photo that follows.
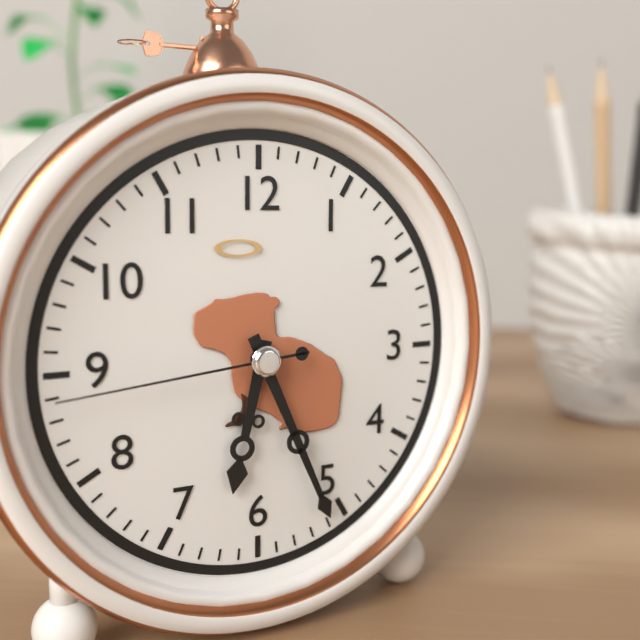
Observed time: 6:26:44
